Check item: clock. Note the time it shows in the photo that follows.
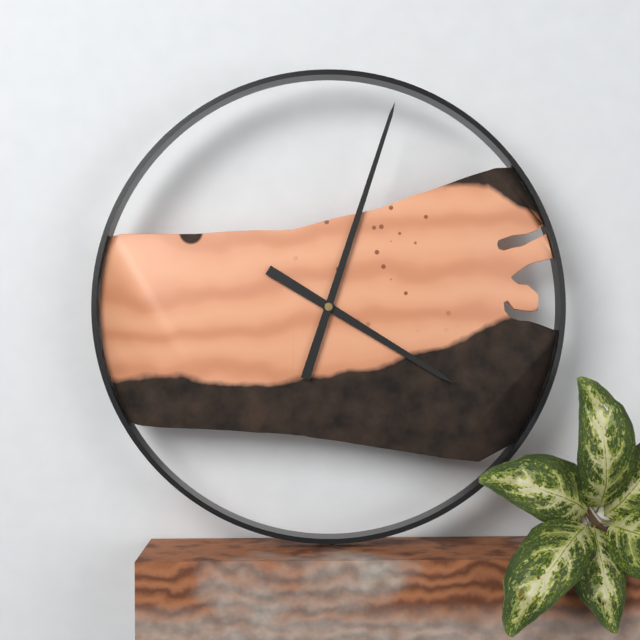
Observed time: 4:03
